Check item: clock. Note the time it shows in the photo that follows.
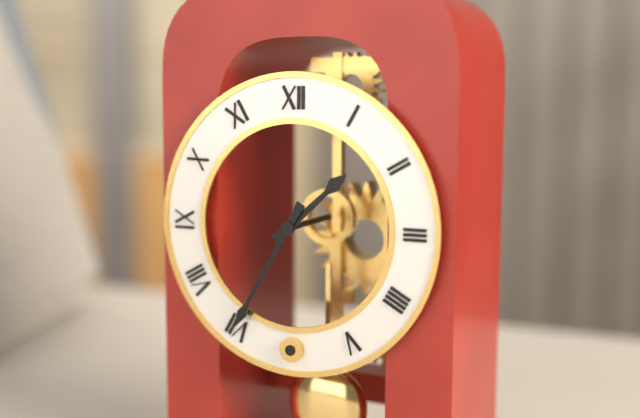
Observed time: 1:35
